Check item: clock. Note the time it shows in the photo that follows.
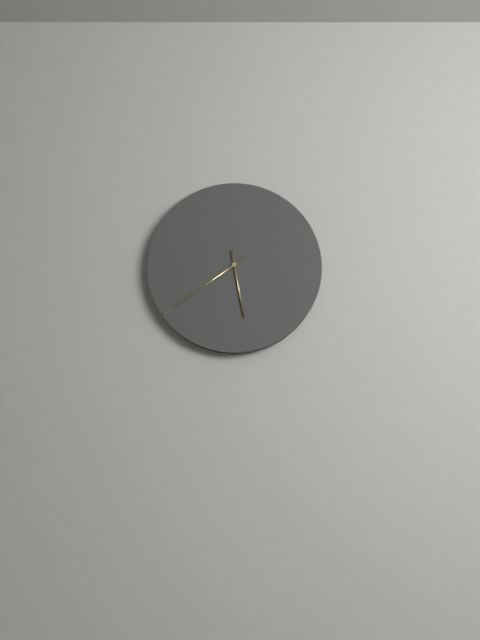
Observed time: 5:39
